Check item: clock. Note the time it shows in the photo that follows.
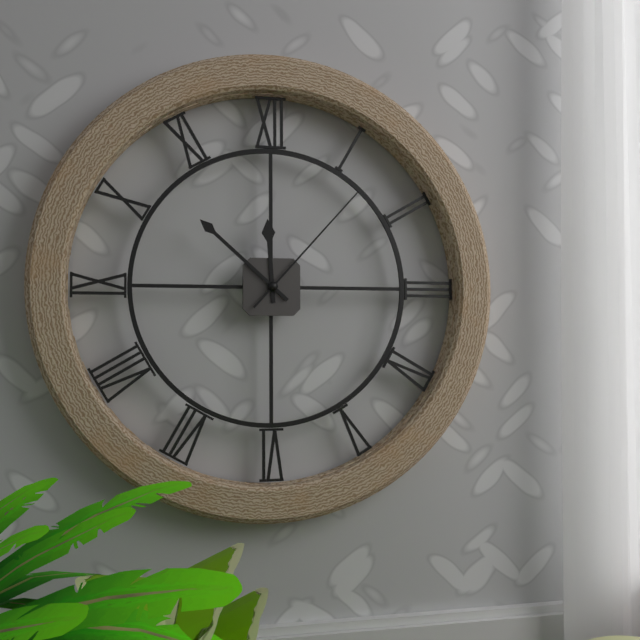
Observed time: 11:52:07
